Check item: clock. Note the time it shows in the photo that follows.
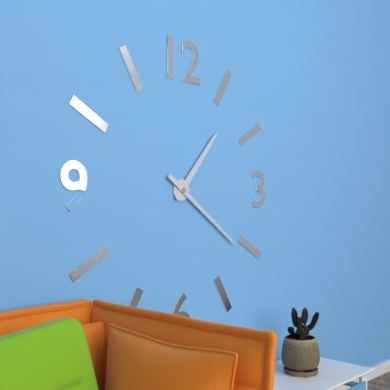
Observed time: 1:21
